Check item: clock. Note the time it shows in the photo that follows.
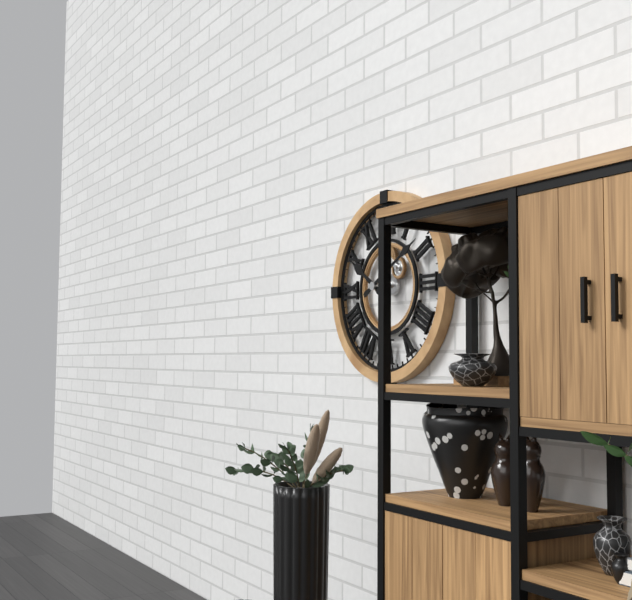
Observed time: 10:10
